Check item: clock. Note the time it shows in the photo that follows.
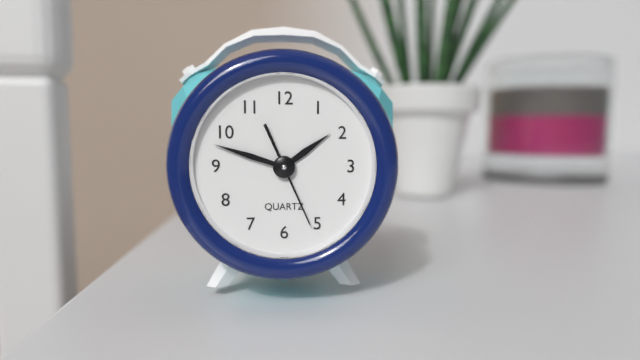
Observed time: 1:48:26
